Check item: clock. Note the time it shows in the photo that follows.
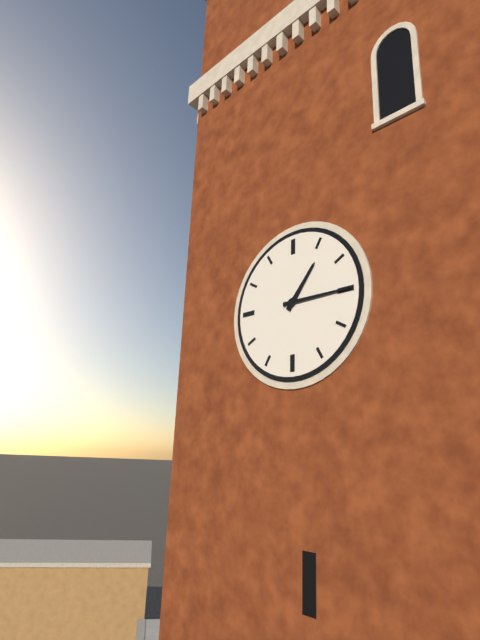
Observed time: 1:15
